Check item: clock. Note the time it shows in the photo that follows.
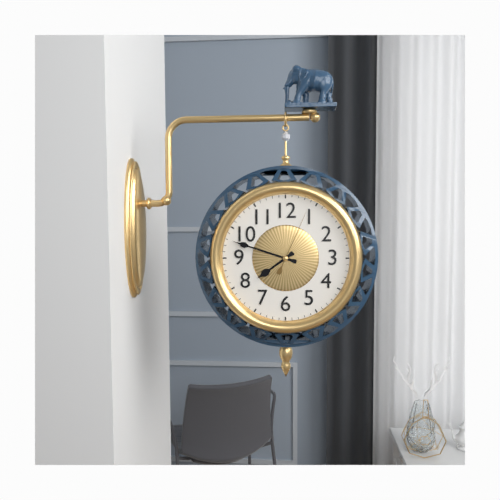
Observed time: 7:48:04
